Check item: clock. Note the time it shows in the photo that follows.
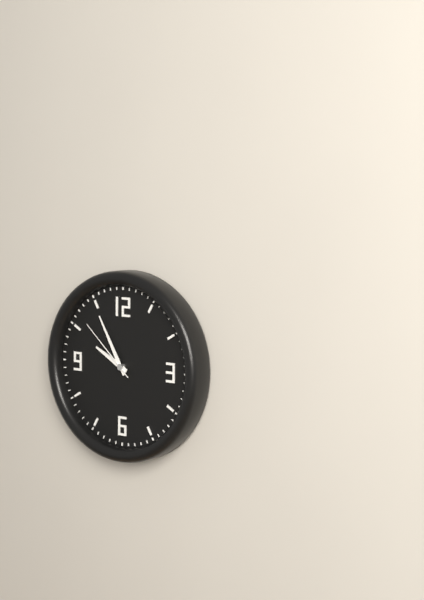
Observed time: 9:55:52
